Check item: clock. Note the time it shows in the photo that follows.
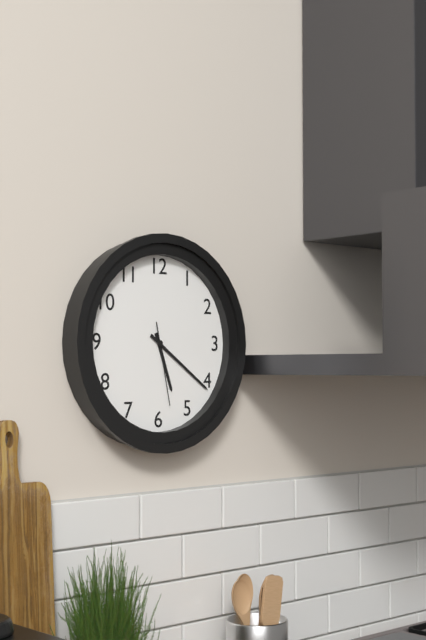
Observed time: 5:21:28
